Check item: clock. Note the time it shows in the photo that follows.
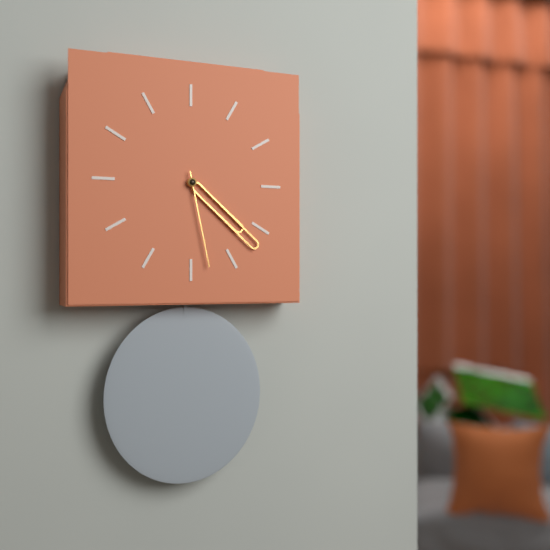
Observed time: 4:22:28
